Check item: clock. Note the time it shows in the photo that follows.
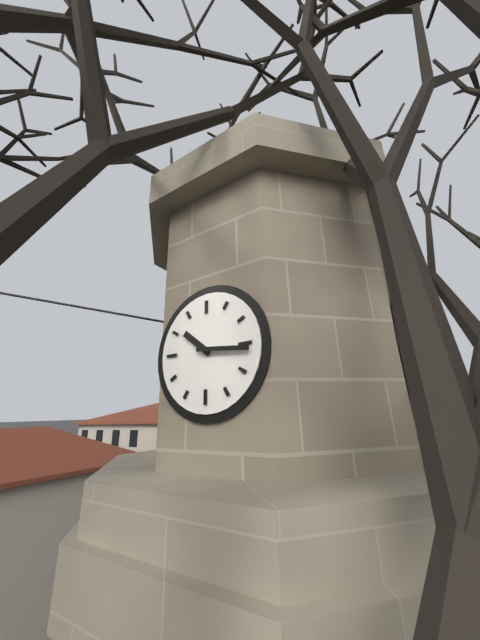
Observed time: 10:16
